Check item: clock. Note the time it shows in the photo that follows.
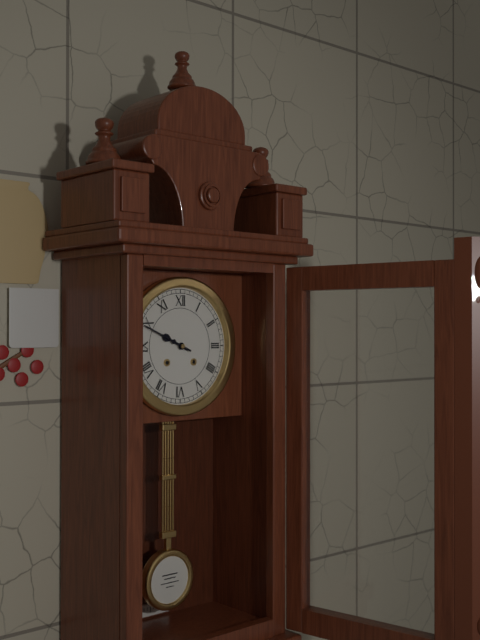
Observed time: 9:49
